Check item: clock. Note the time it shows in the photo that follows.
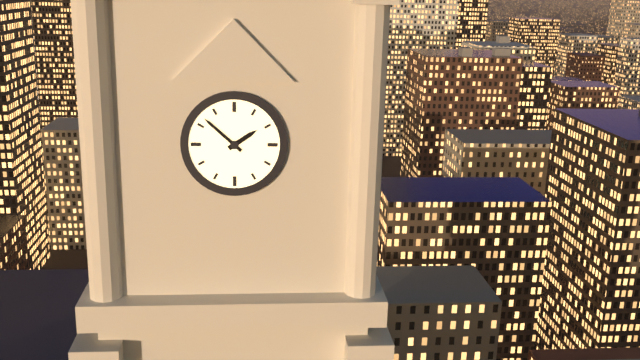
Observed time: 1:52
